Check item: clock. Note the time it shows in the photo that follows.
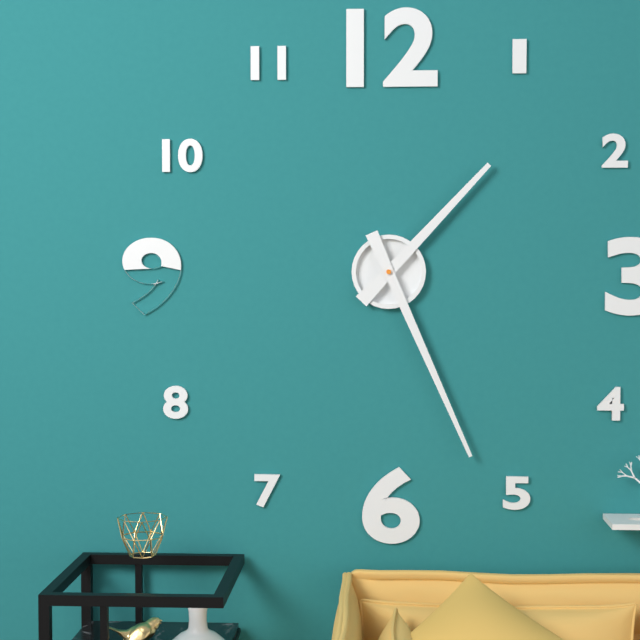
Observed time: 1:26
